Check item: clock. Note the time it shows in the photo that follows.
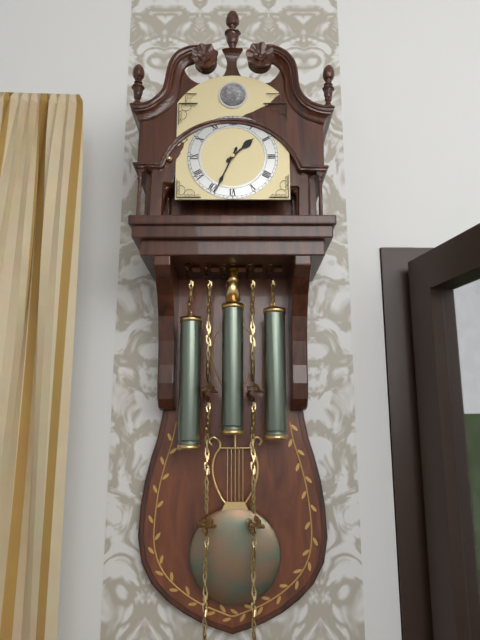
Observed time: 1:34
